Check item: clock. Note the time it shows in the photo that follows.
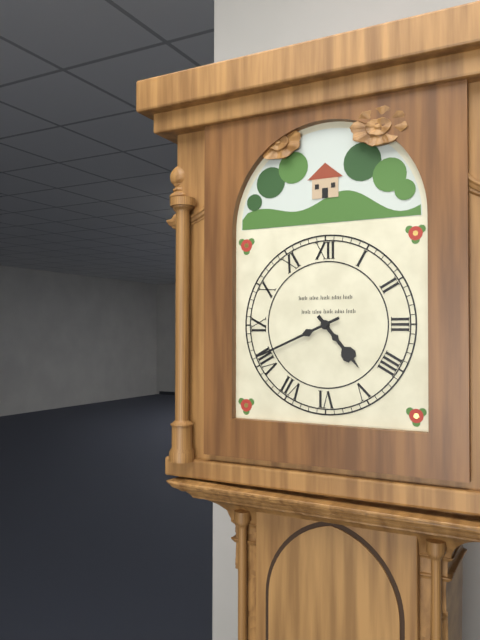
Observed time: 4:41
